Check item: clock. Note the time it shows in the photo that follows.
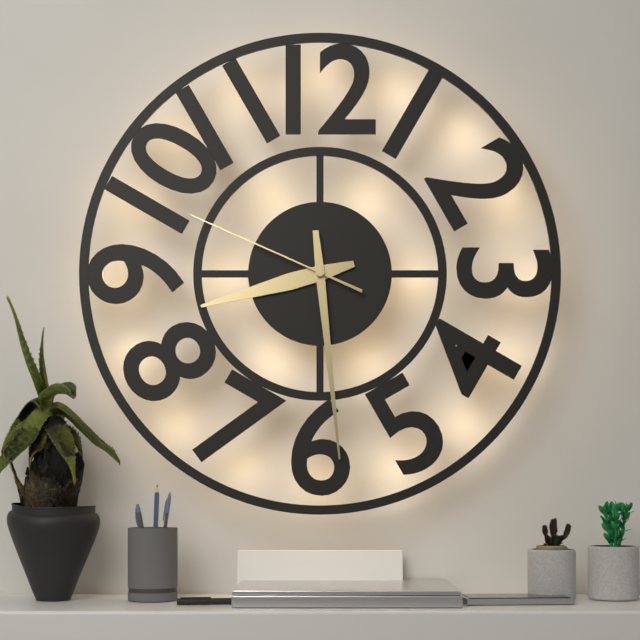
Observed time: 8:29:49
